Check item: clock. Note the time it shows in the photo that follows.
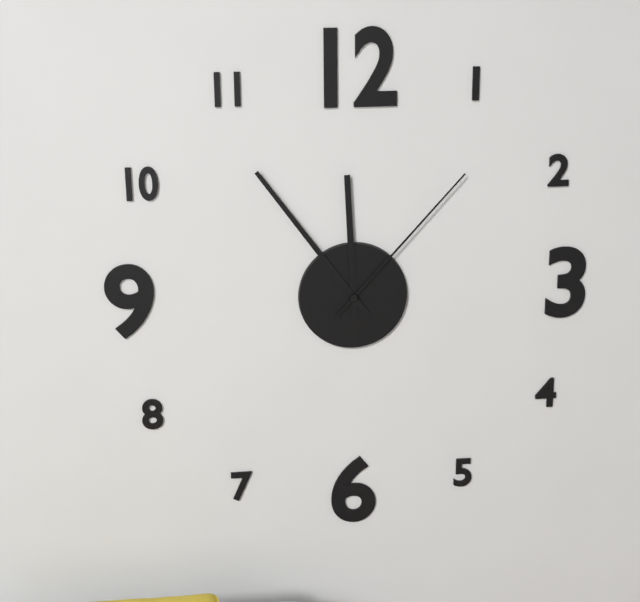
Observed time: 11:54:07
